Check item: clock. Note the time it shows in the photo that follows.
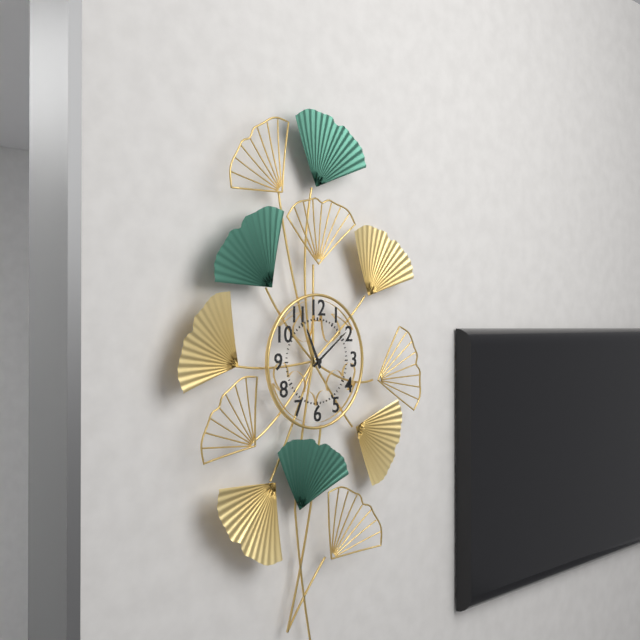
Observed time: 11:09
